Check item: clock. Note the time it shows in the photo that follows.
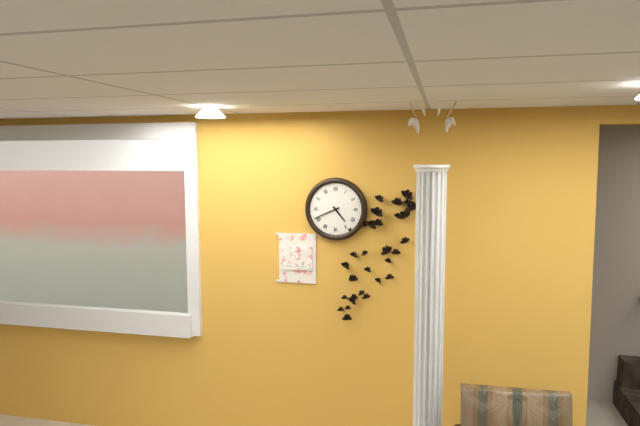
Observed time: 4:41
